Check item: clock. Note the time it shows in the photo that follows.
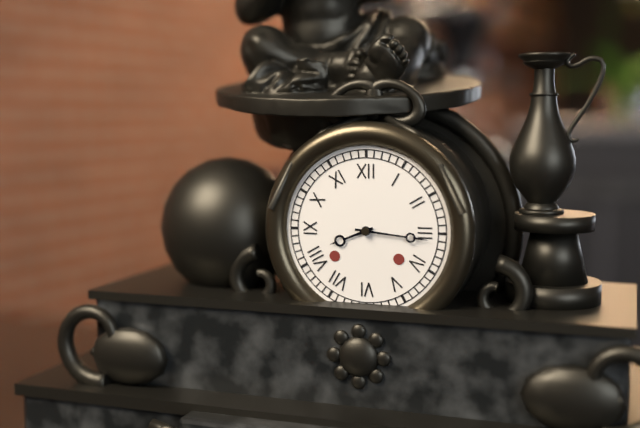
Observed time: 8:16
